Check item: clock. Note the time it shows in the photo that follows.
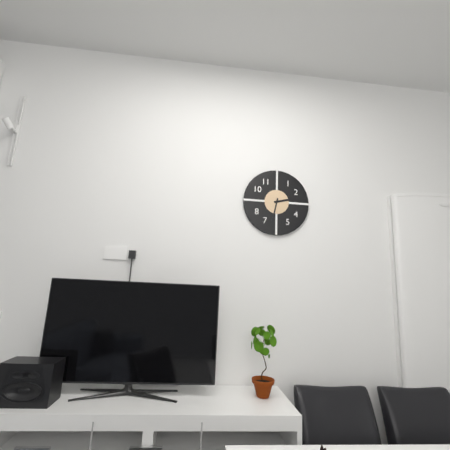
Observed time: 2:32
